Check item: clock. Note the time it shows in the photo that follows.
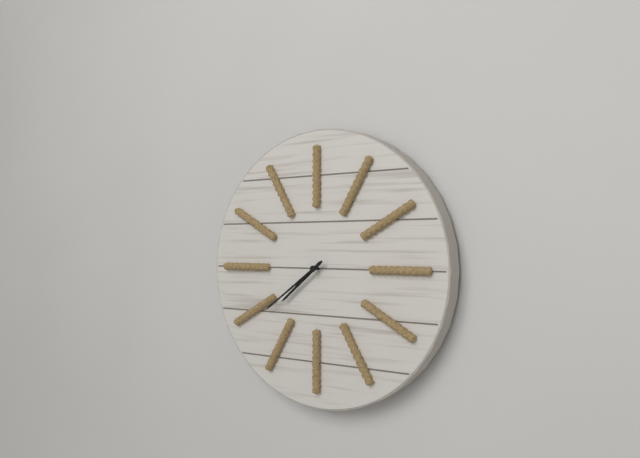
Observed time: 7:39
